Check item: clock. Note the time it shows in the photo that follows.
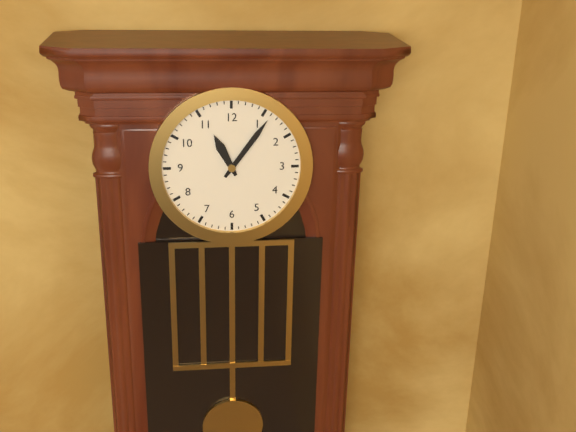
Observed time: 11:06
